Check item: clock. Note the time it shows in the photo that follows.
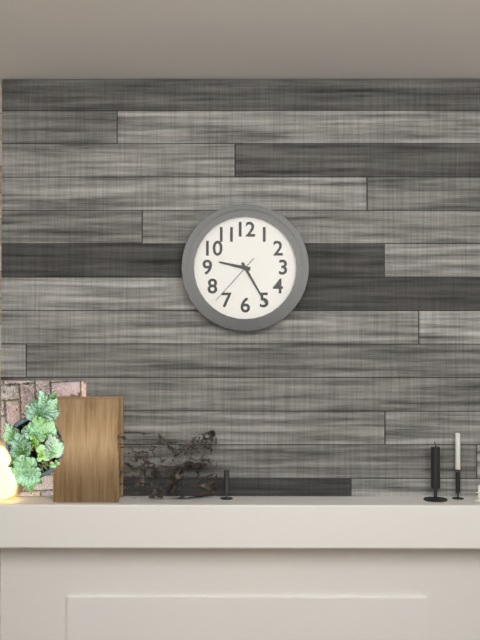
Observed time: 9:25:37
